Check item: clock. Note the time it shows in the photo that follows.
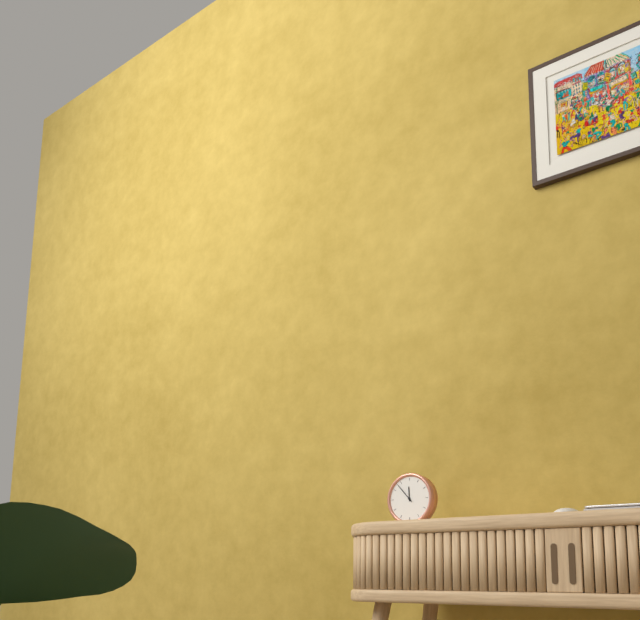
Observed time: 11:53
